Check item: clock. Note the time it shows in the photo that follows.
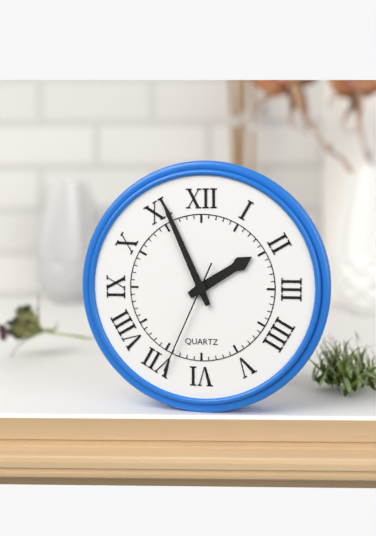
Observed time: 1:56:34
